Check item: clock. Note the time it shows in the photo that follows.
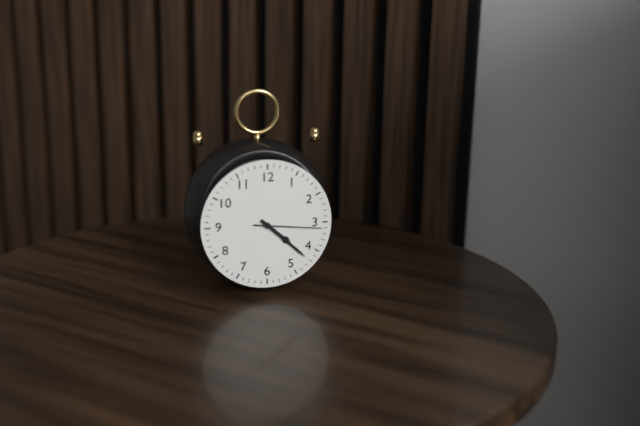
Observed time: 4:22:16
